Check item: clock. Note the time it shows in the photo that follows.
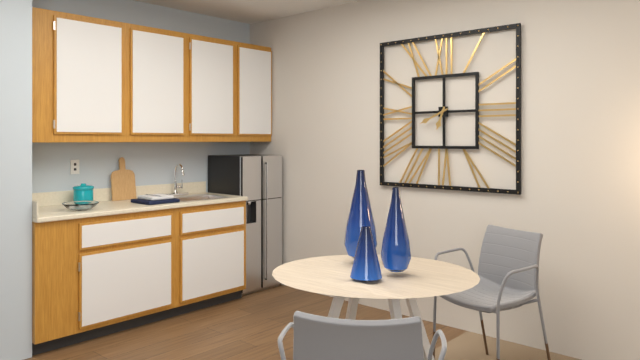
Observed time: 6:41
